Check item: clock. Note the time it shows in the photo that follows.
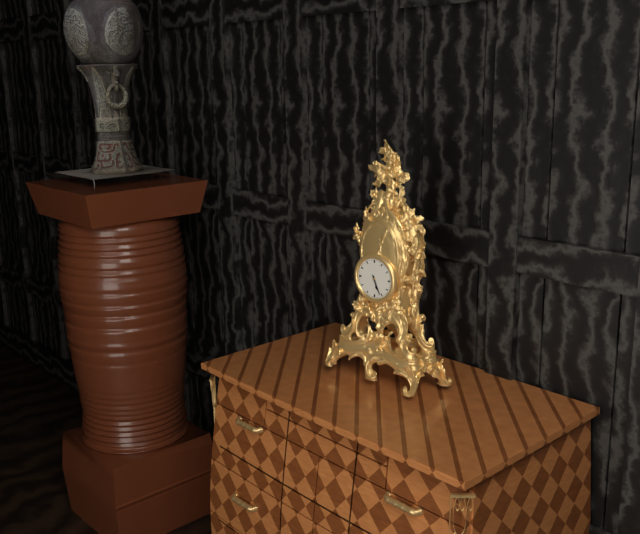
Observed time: 5:26
